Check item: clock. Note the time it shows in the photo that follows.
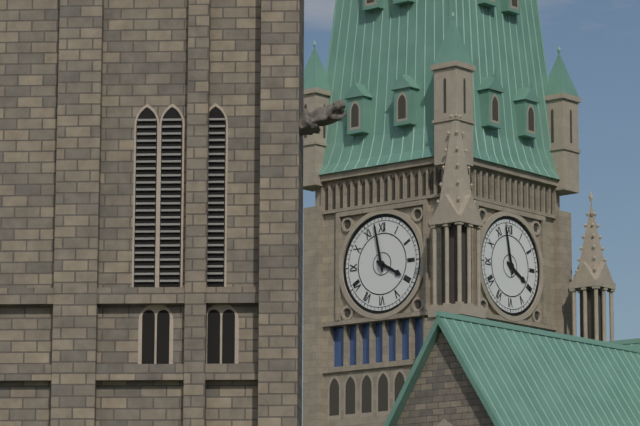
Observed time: 3:58
